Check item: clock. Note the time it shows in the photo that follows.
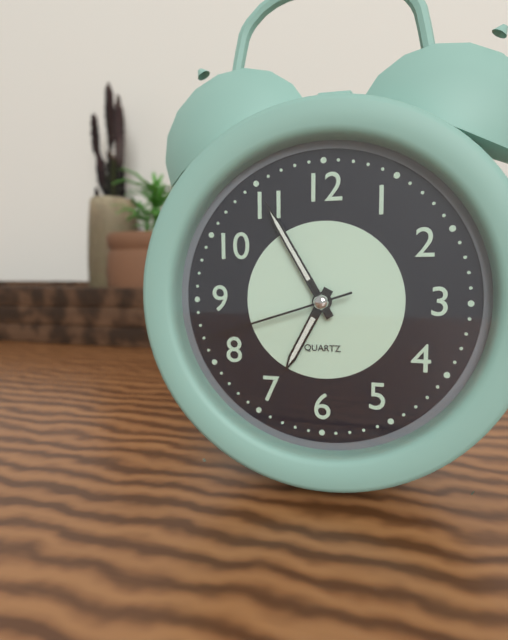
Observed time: 6:55:42
